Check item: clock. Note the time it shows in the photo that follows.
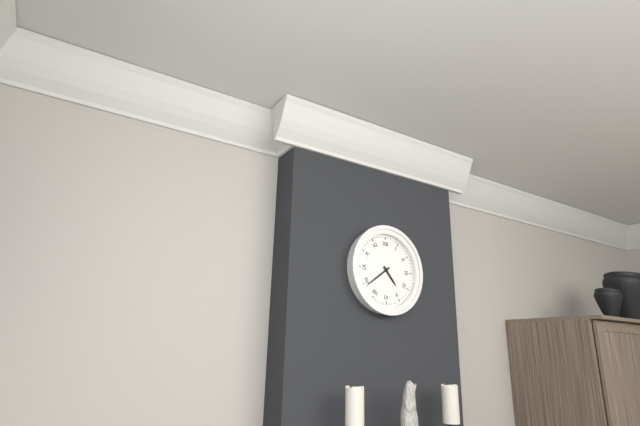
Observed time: 4:39
